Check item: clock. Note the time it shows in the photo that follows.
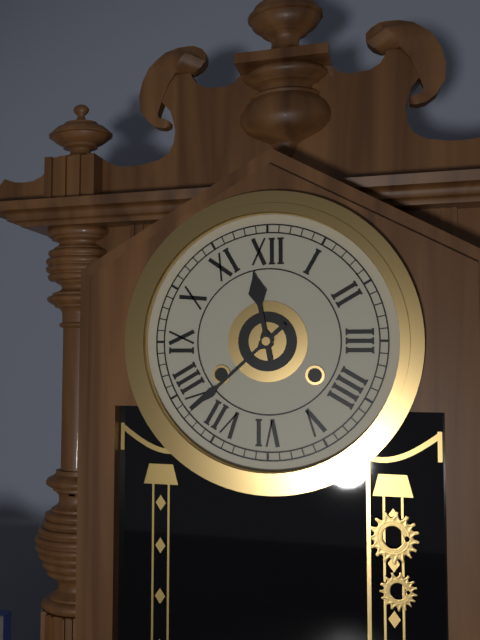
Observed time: 11:38
